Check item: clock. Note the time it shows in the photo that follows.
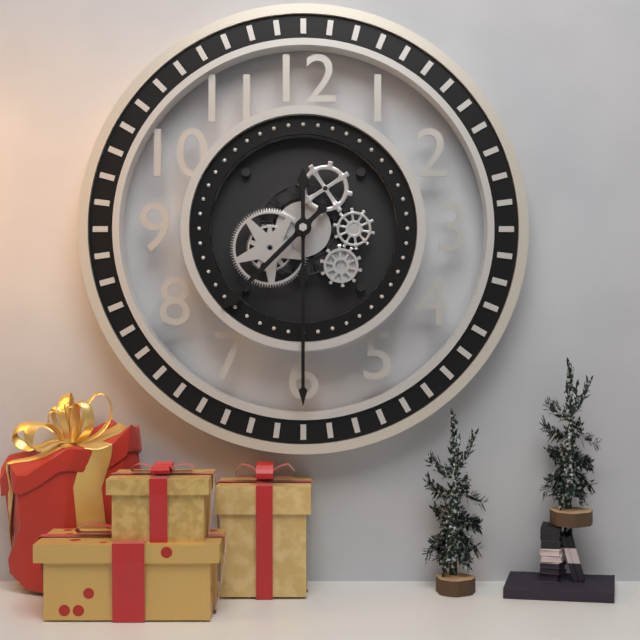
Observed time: 7:30
